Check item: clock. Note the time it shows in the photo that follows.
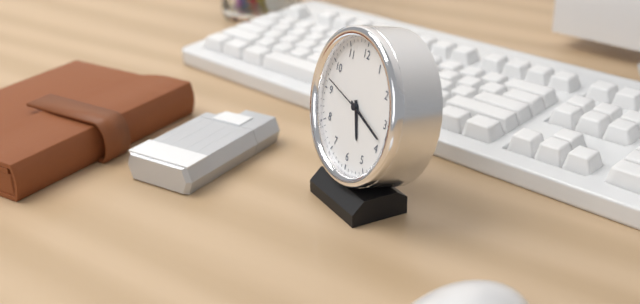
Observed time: 5:18:47
